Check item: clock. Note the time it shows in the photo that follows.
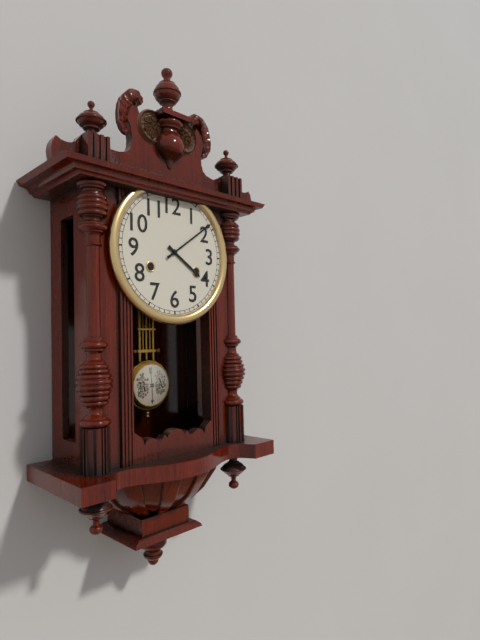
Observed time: 4:09
